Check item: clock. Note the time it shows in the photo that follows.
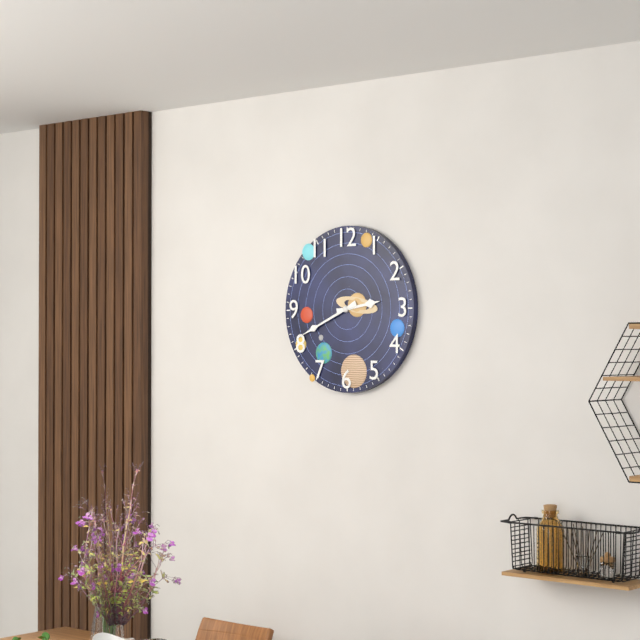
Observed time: 2:41
